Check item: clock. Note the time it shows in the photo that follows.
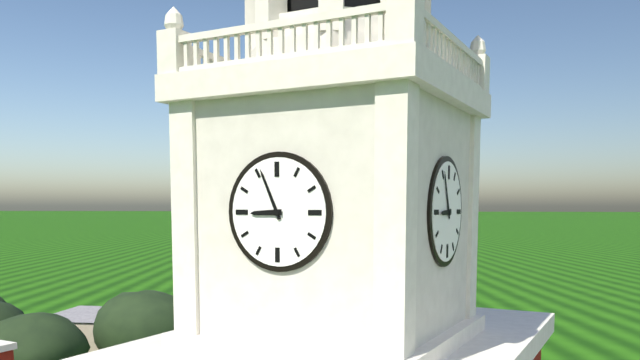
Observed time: 8:56
